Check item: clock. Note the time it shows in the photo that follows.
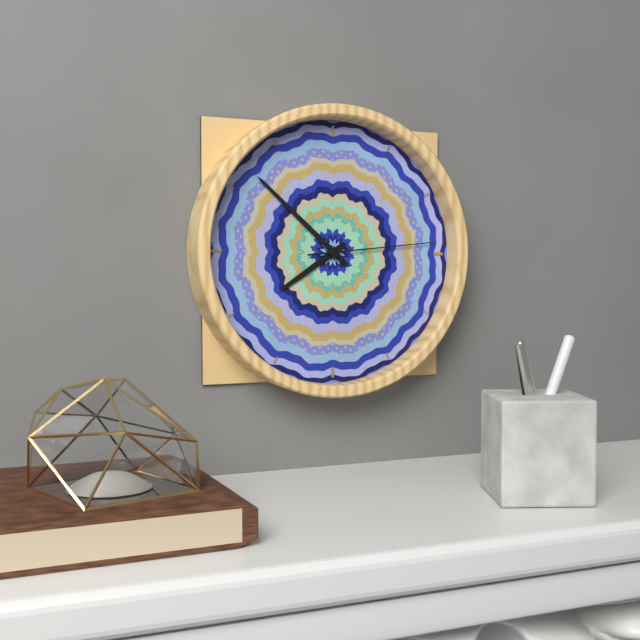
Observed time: 7:52:14
